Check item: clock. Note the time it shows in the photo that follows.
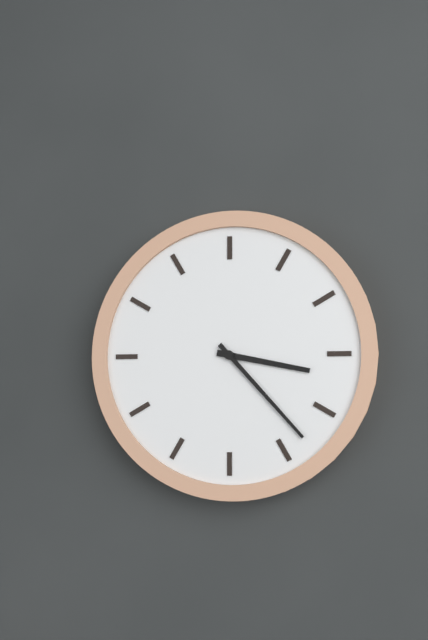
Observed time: 3:23
